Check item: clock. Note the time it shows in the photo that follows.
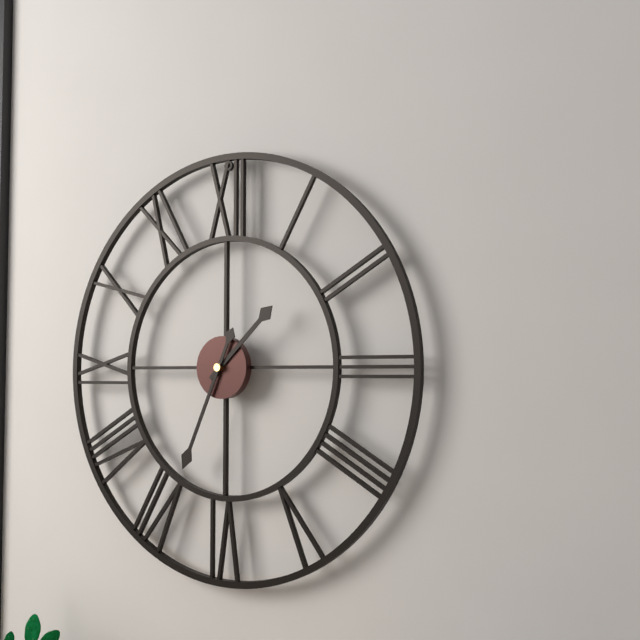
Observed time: 1:34
